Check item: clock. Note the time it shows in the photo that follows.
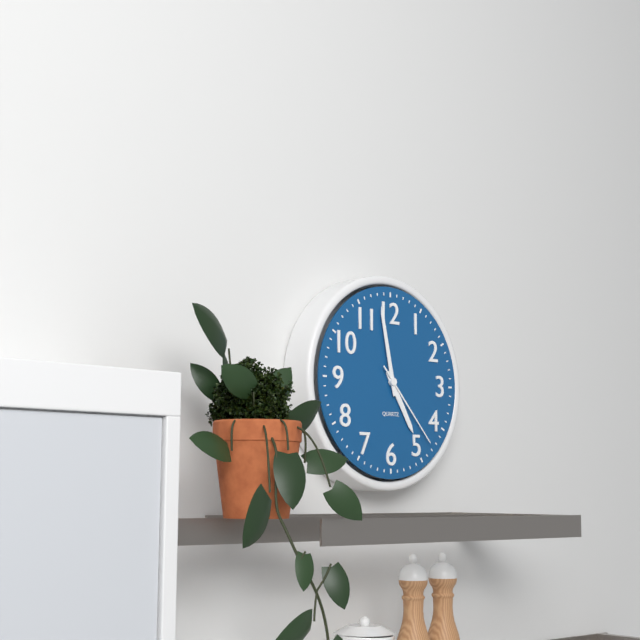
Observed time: 4:58:23
